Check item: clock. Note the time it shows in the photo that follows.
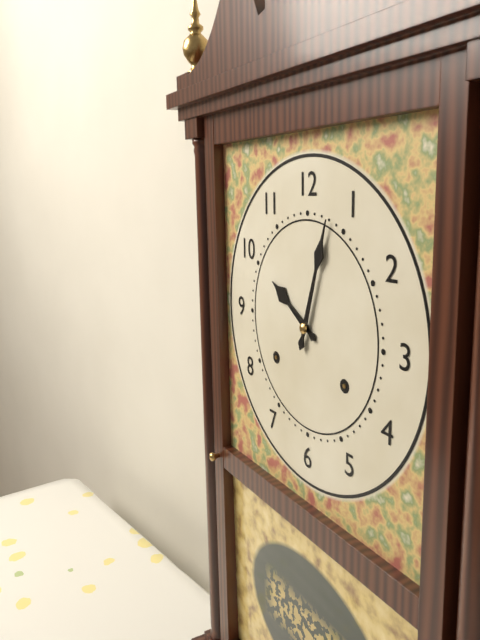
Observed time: 10:03
